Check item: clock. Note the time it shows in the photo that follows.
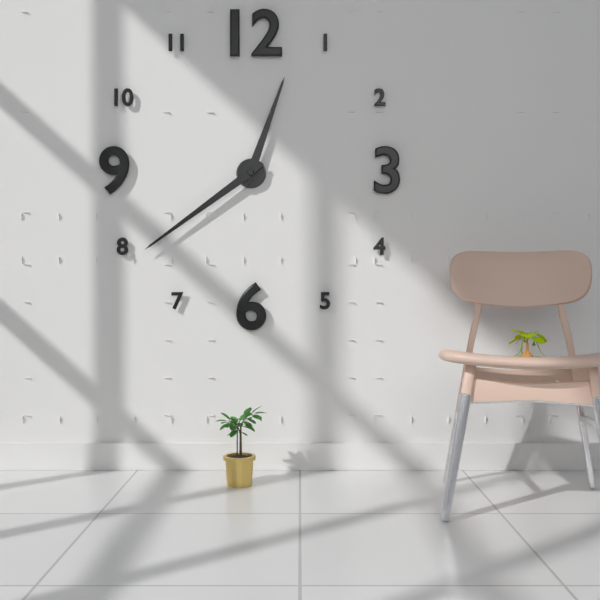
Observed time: 12:39
